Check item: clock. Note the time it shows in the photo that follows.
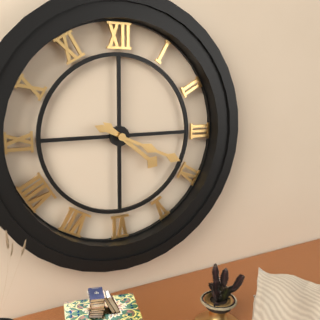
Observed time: 4:19
